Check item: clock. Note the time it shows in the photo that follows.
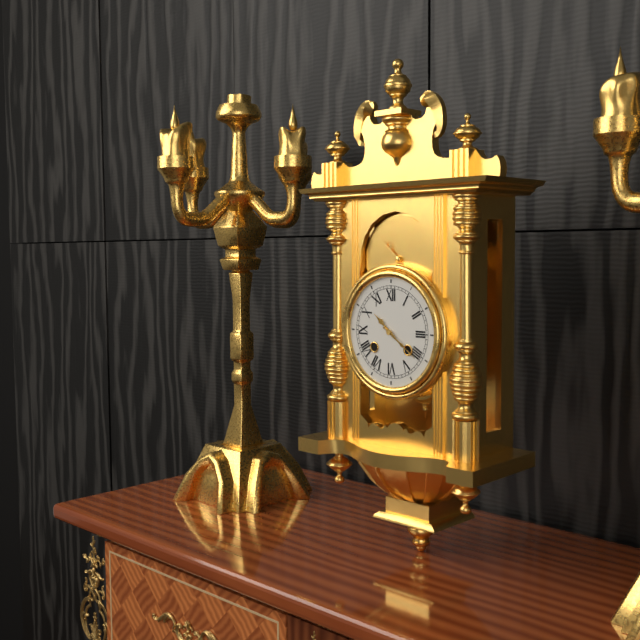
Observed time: 10:21
